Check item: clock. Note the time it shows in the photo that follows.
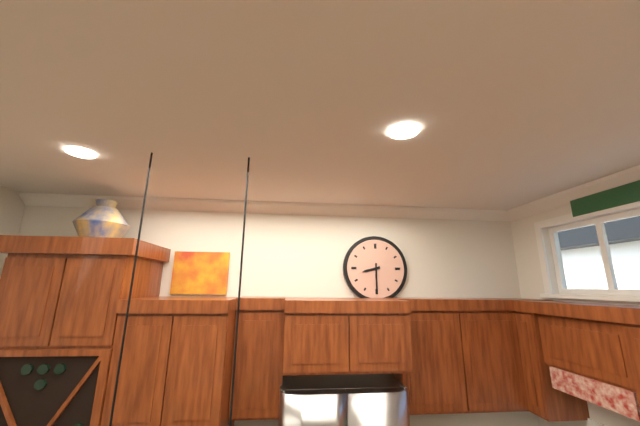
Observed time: 8:30
